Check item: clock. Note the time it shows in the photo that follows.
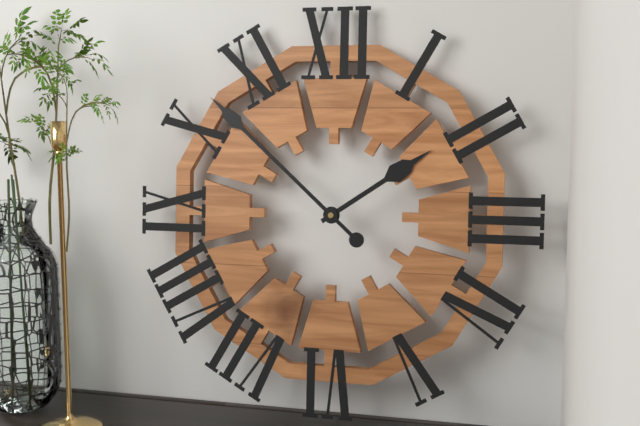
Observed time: 1:52
